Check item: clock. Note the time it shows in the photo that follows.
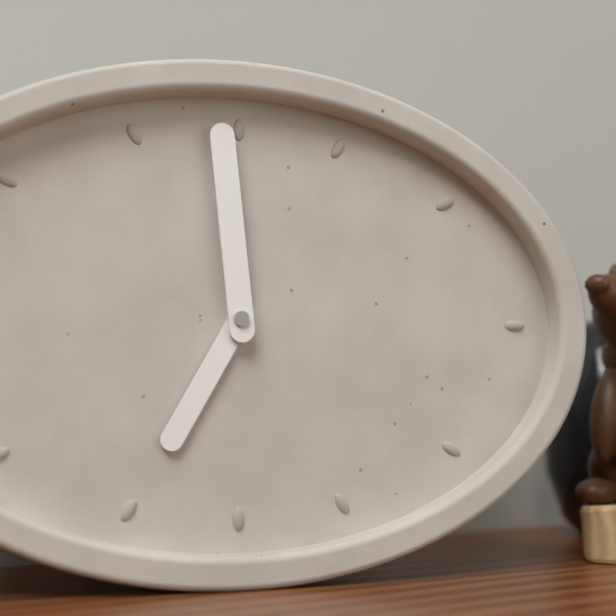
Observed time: 6:59
